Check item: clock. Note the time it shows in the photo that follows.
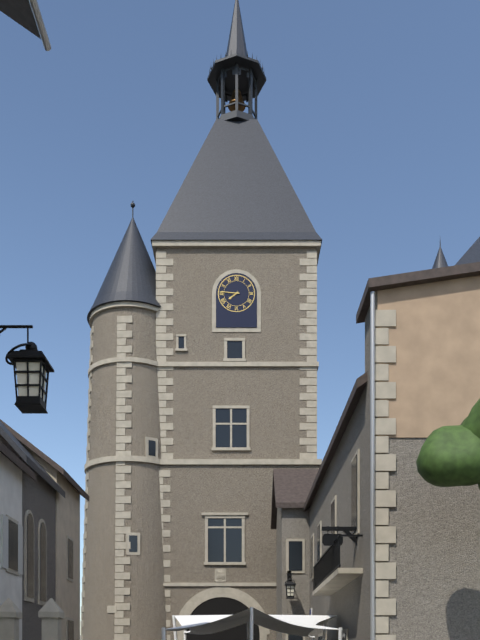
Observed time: 7:46
